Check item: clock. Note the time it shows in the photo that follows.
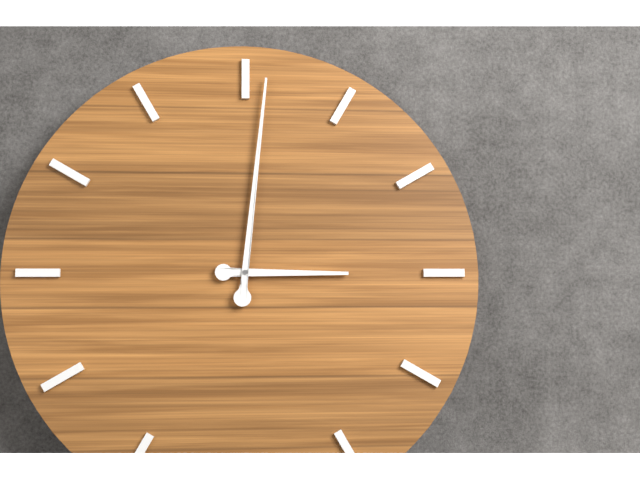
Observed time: 3:01
